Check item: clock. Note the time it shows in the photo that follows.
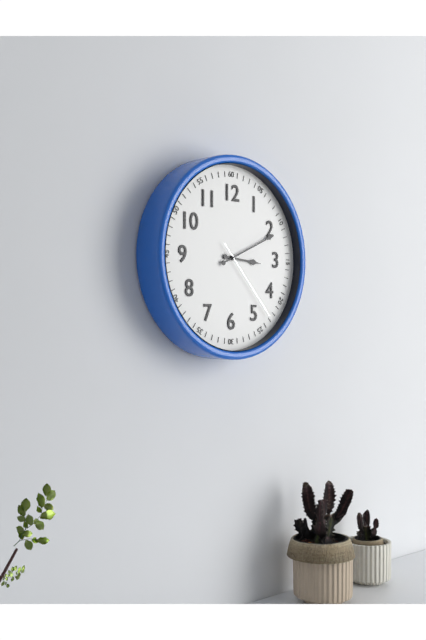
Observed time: 3:11:23
